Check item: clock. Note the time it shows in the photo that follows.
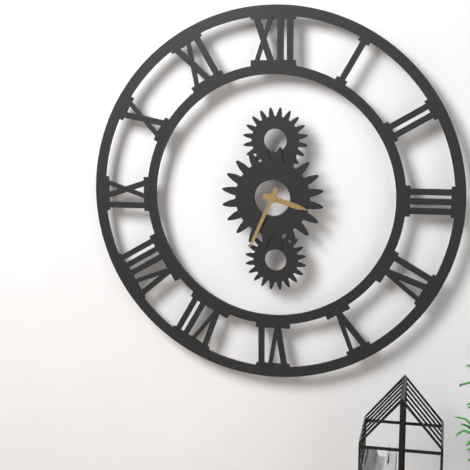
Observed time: 3:34
